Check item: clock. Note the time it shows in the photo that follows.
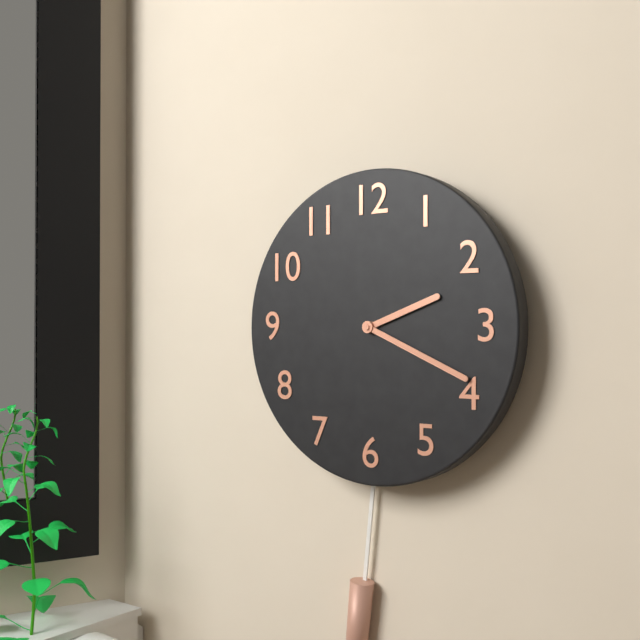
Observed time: 2:19
